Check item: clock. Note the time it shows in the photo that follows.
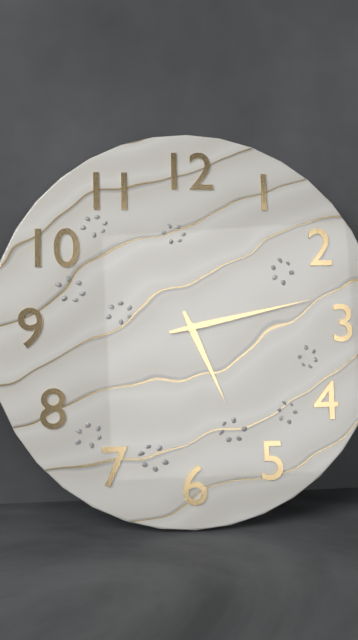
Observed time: 5:13
